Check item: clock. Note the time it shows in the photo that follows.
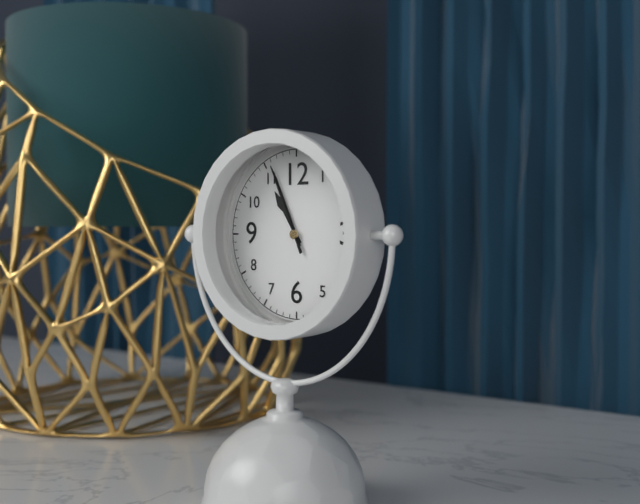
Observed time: 10:56:56
